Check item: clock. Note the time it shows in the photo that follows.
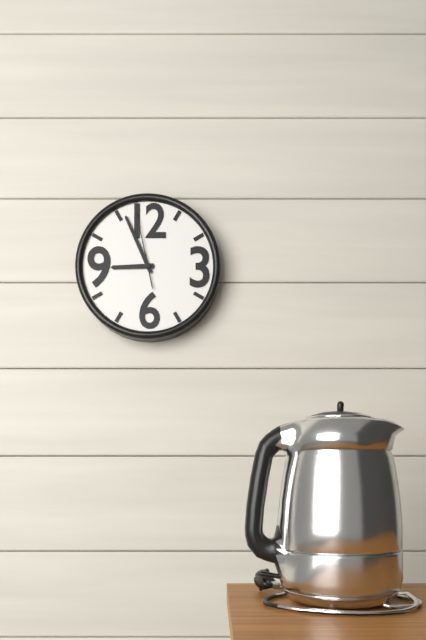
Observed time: 8:56:58
